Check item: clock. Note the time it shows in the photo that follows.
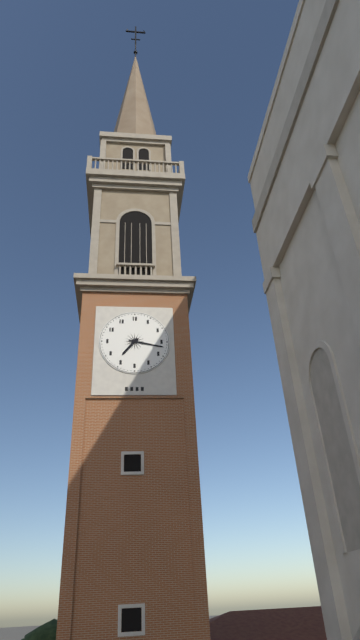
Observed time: 7:17
